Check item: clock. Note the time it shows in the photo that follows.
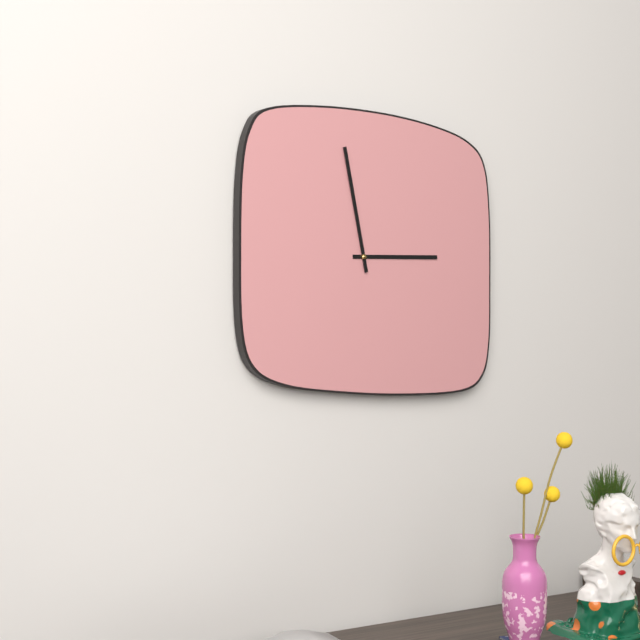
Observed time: 2:58
